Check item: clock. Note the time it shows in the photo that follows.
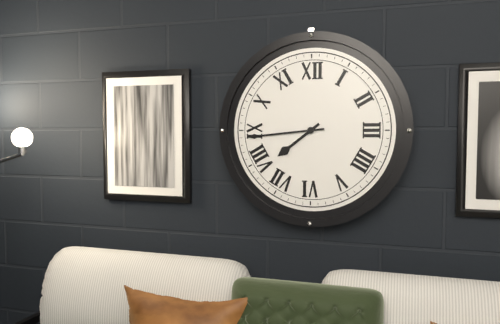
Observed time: 7:44
